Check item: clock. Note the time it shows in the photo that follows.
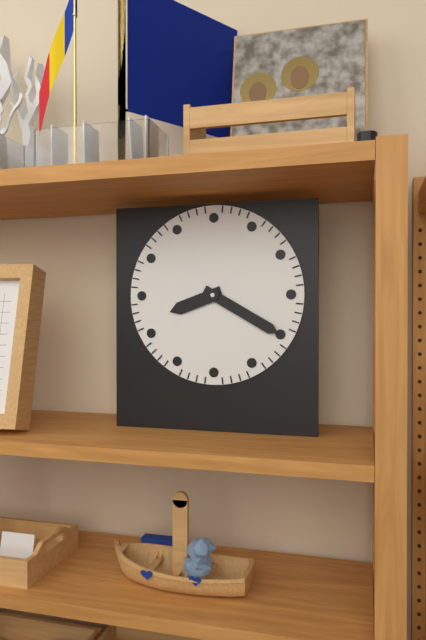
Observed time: 8:20
